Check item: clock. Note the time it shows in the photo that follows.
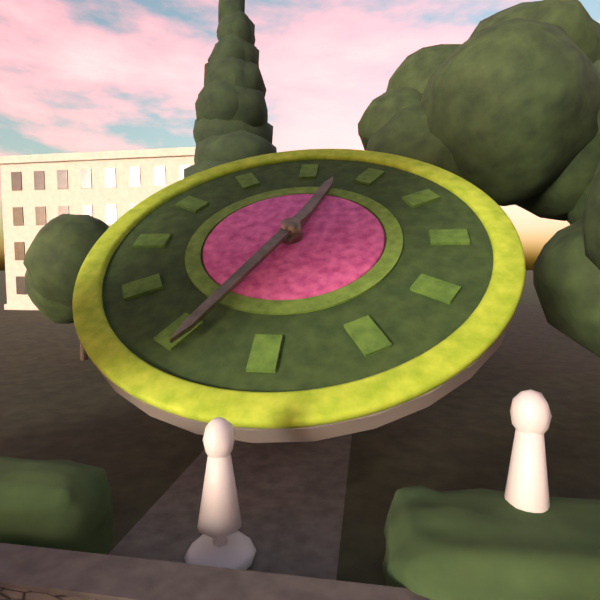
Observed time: 12:34
